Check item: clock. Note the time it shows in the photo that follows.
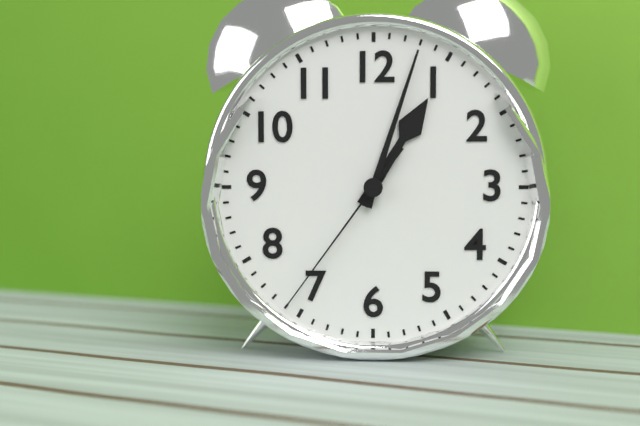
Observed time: 1:03:36
